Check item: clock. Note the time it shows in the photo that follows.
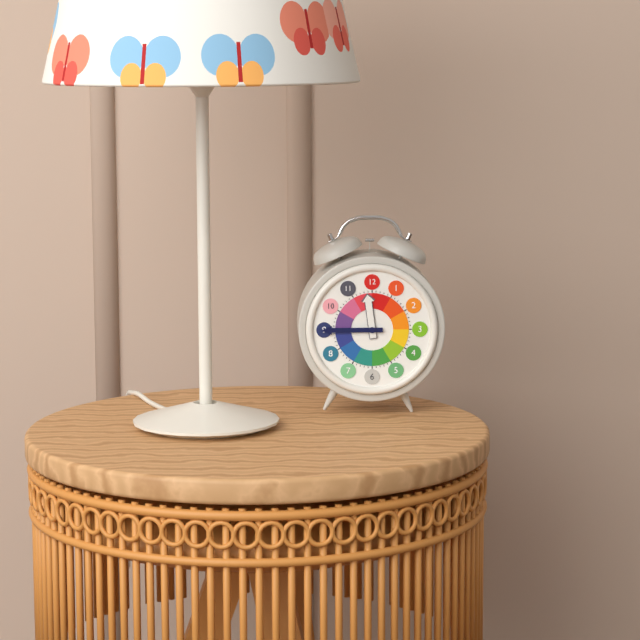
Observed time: 11:45
